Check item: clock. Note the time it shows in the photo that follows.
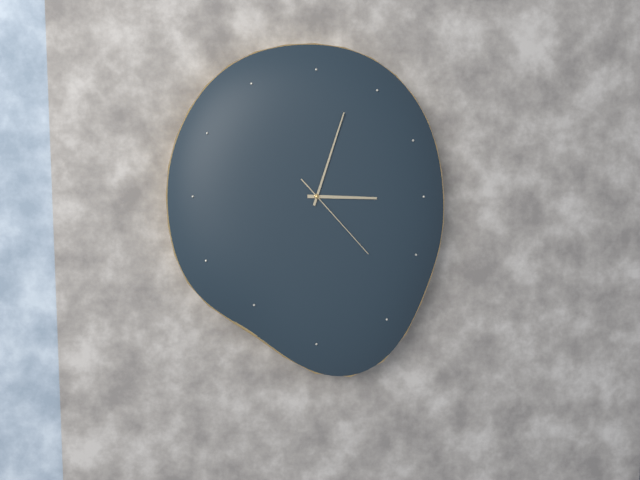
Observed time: 3:03:23
